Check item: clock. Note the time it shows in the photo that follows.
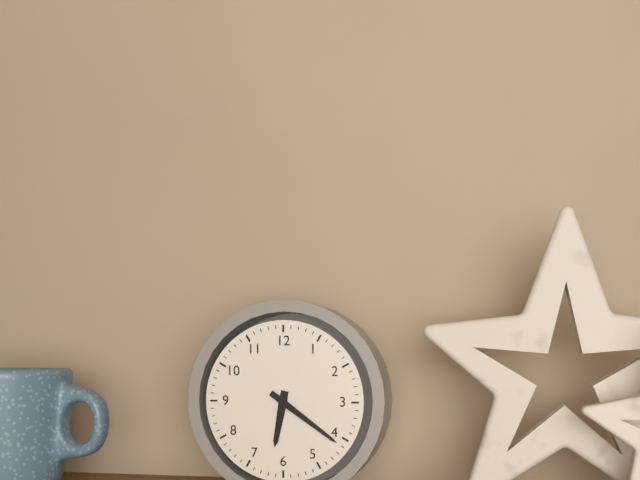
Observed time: 6:21
